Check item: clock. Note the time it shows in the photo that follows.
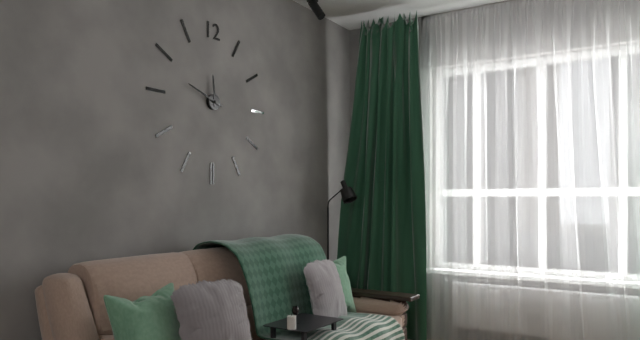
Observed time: 11:48
